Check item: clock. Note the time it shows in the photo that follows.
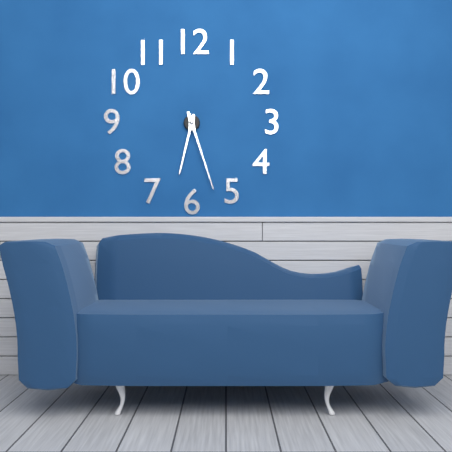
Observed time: 6:27
